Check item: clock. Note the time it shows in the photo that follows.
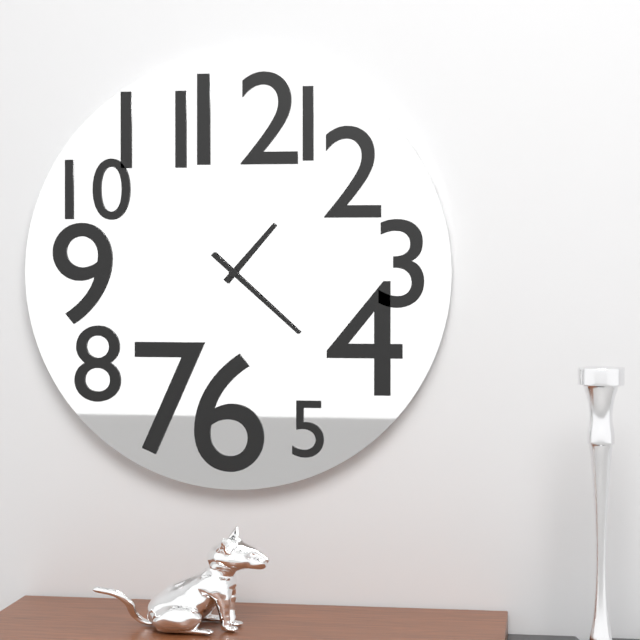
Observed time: 1:22
